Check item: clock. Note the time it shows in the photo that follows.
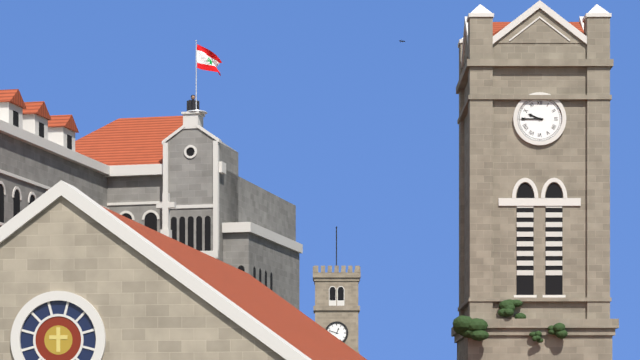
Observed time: 9:45
